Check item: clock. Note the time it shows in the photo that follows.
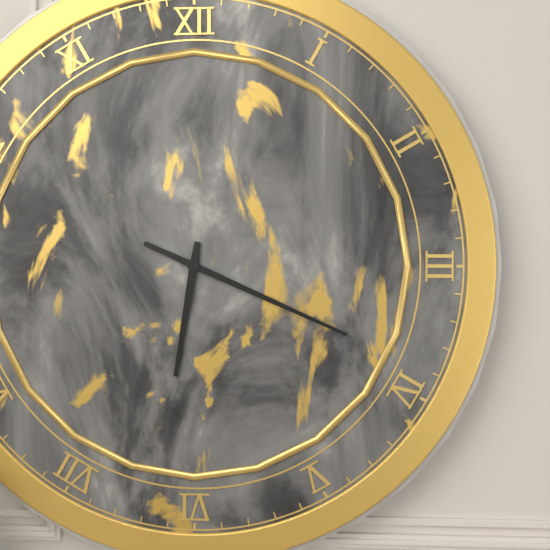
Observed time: 6:19
